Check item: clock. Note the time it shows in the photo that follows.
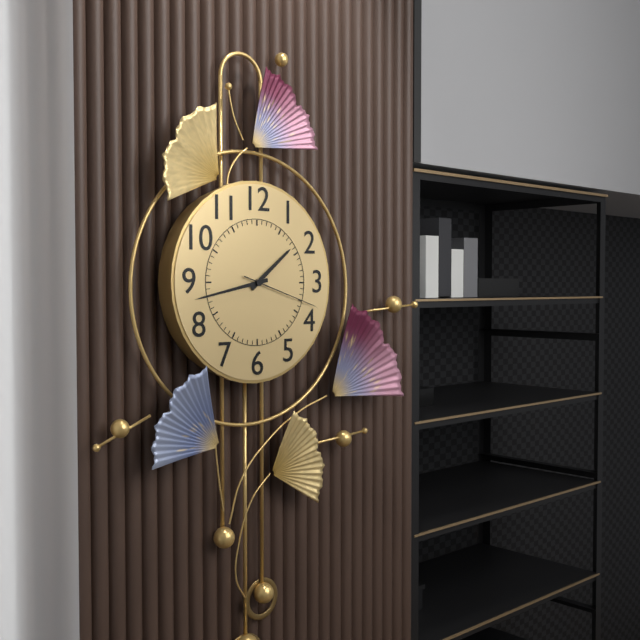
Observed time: 1:43:18
